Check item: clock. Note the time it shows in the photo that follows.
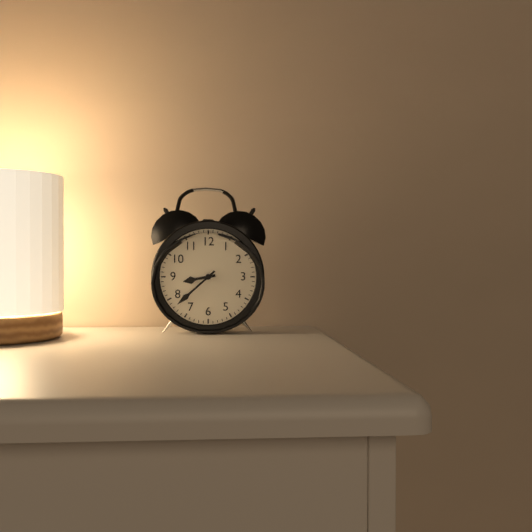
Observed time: 8:38
